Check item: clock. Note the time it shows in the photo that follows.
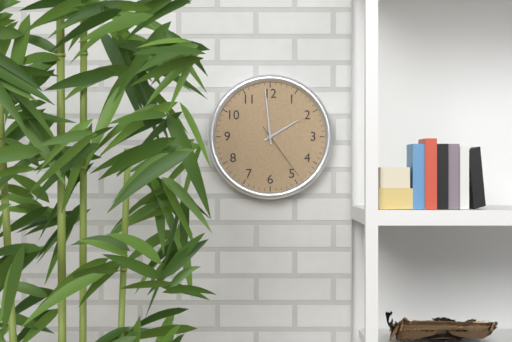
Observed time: 1:59:24
